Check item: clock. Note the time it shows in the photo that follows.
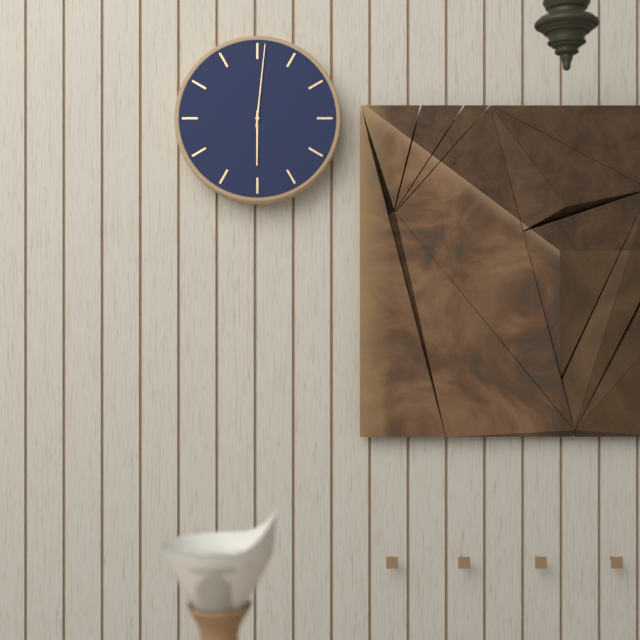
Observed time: 6:01
